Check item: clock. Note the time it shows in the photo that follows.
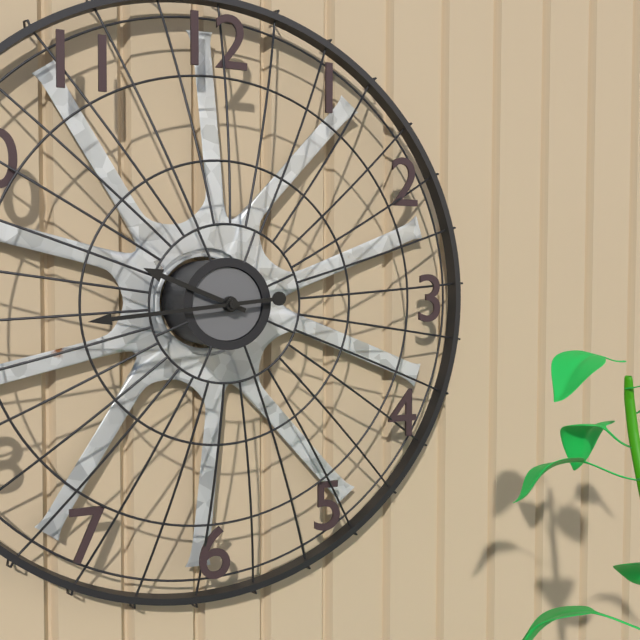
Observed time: 9:44
